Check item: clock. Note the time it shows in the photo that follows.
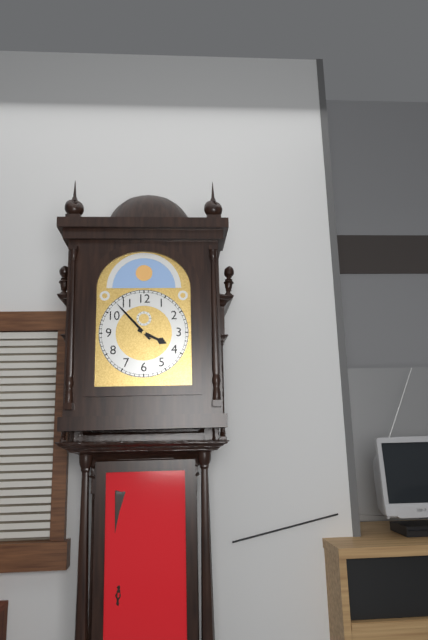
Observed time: 3:53
